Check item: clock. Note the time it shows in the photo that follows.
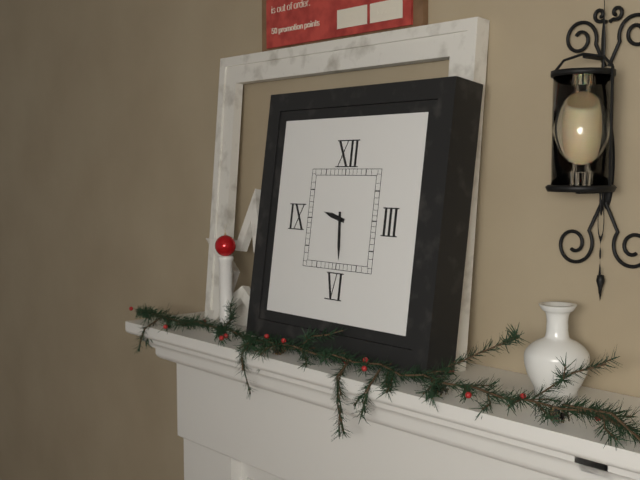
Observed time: 9:29
